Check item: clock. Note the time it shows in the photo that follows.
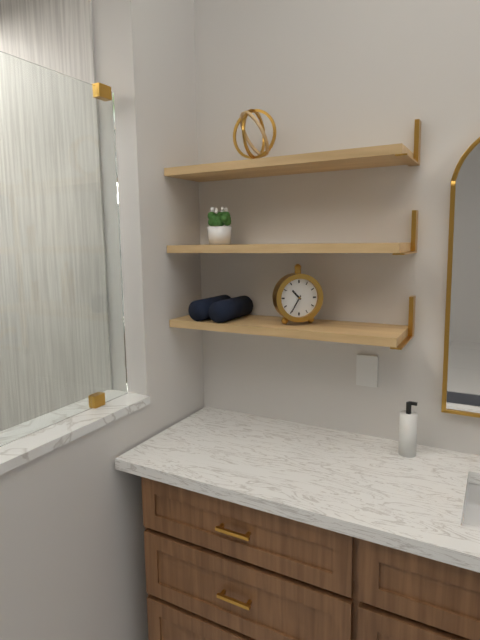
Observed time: 10:35
